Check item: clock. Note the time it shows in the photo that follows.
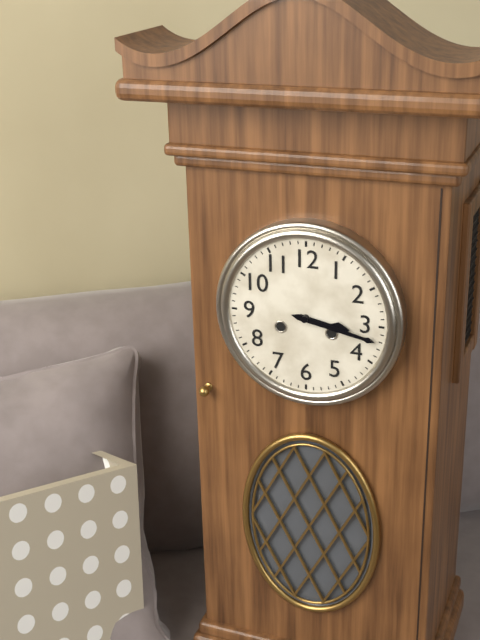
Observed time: 3:17
